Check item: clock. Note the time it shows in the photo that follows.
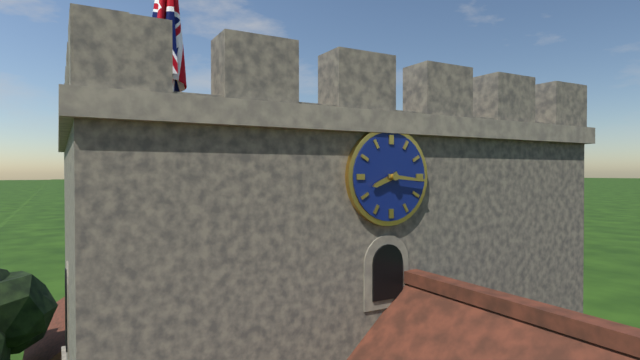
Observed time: 8:16
